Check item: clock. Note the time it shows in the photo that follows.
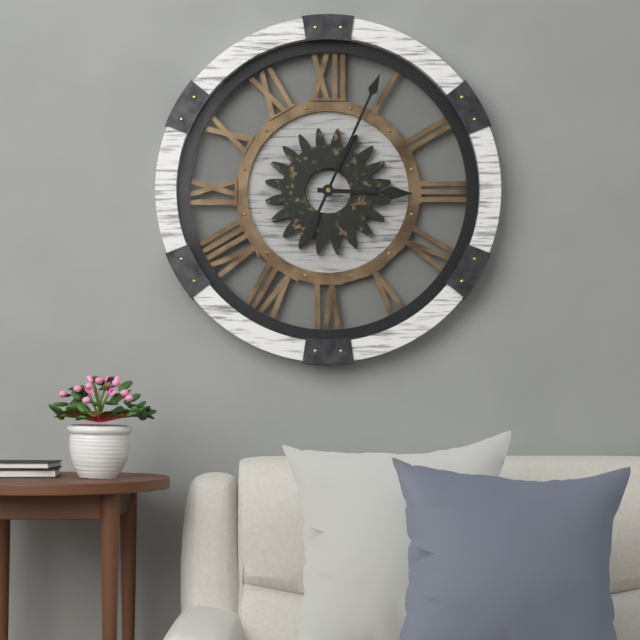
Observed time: 3:04
